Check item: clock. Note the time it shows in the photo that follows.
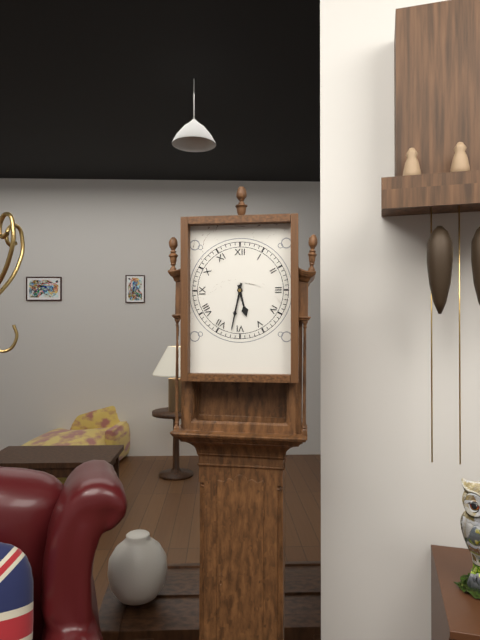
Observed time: 5:32
